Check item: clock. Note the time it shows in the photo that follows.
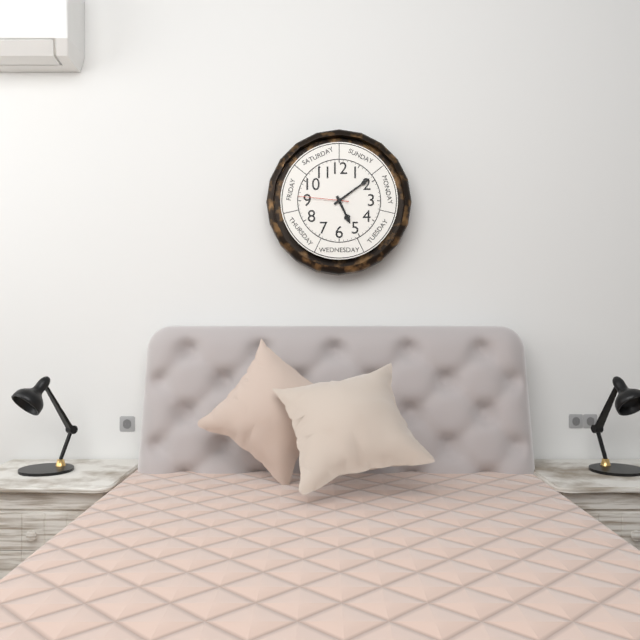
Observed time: 5:09:46
